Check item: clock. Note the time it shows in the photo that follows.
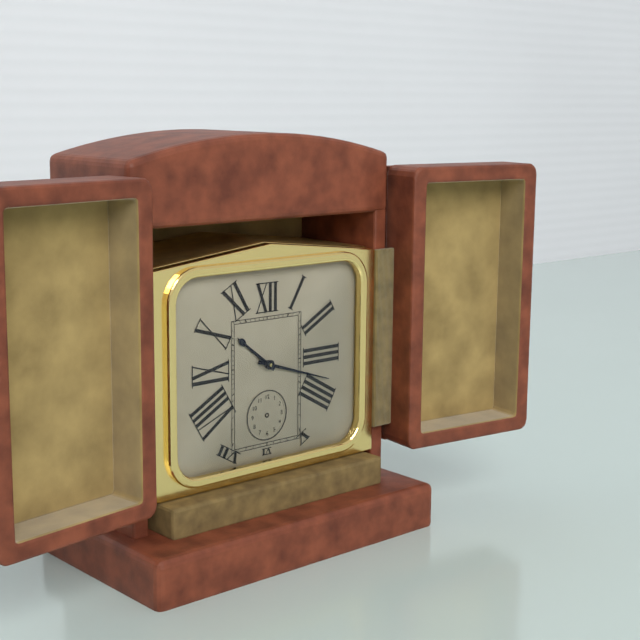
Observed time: 10:18
